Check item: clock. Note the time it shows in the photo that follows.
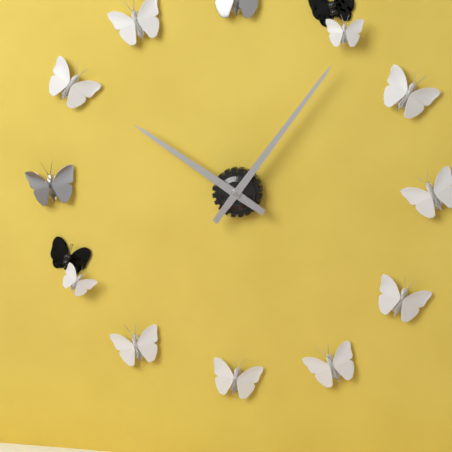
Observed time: 10:06
